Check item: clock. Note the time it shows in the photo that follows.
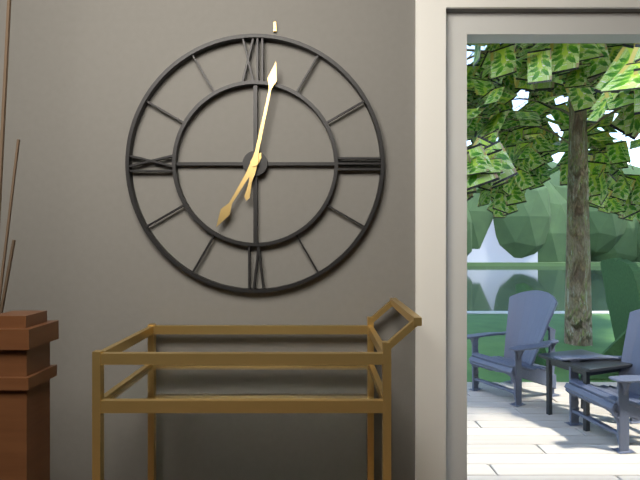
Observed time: 7:02
